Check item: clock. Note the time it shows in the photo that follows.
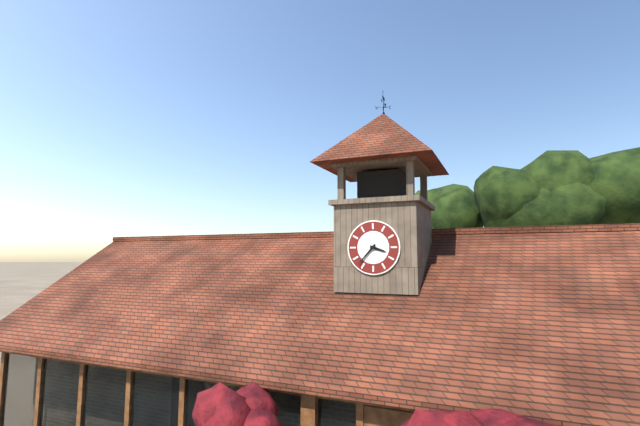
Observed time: 3:37
